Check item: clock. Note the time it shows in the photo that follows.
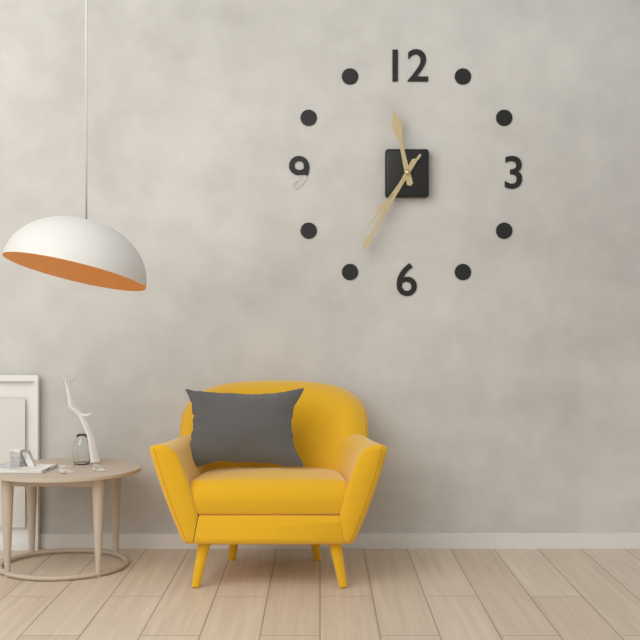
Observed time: 11:35:36
